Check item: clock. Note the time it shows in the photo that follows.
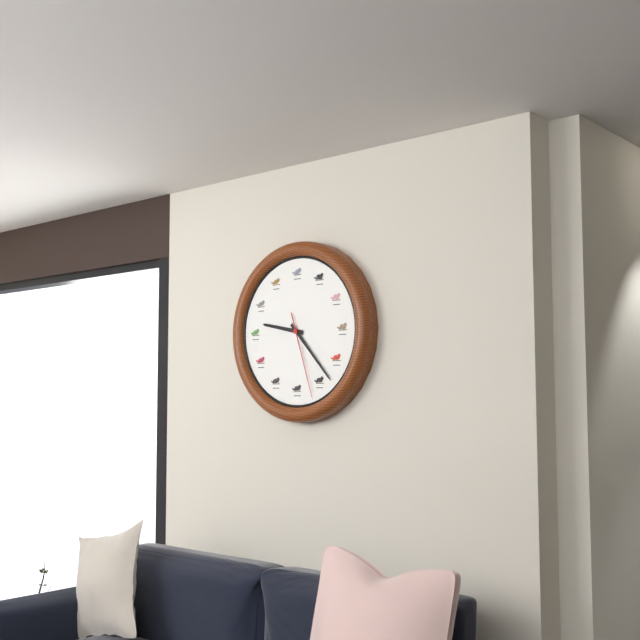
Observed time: 9:23:27
